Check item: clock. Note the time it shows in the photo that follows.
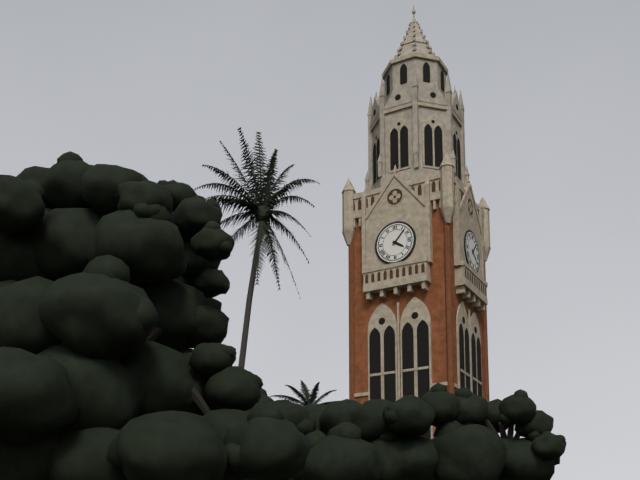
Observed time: 4:07
